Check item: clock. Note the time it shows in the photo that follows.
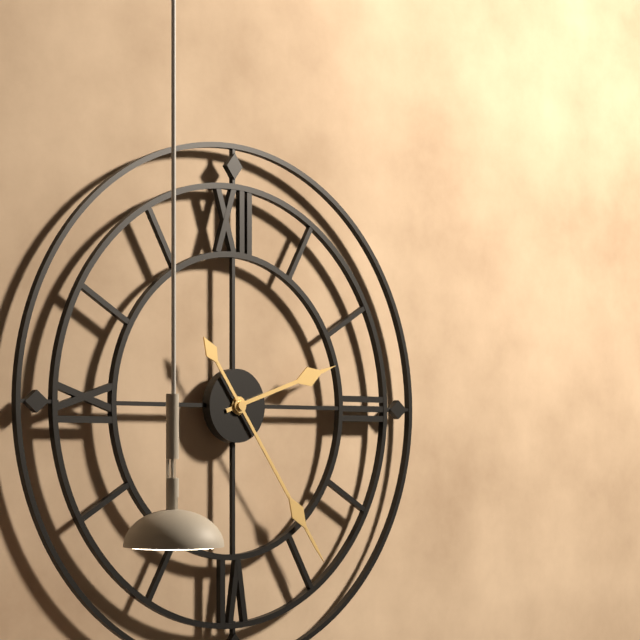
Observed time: 2:24
